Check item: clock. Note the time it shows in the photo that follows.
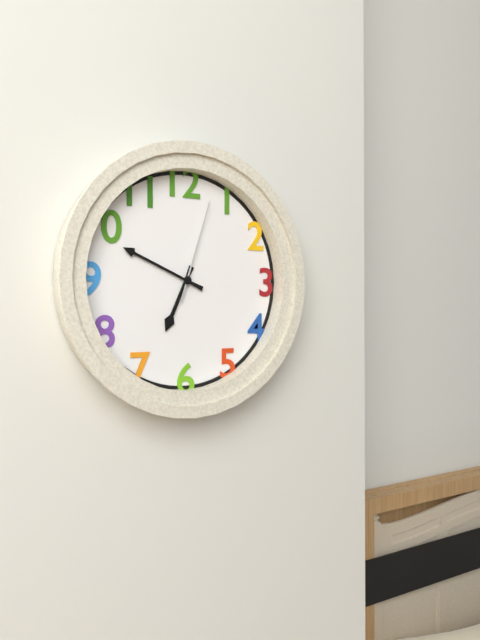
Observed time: 6:49:03
